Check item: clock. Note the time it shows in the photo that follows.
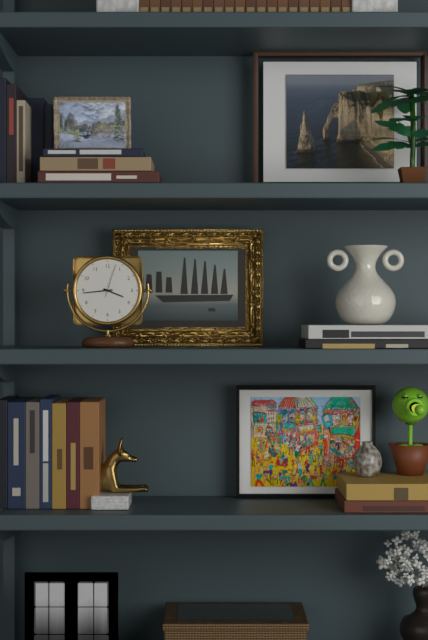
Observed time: 3:44
